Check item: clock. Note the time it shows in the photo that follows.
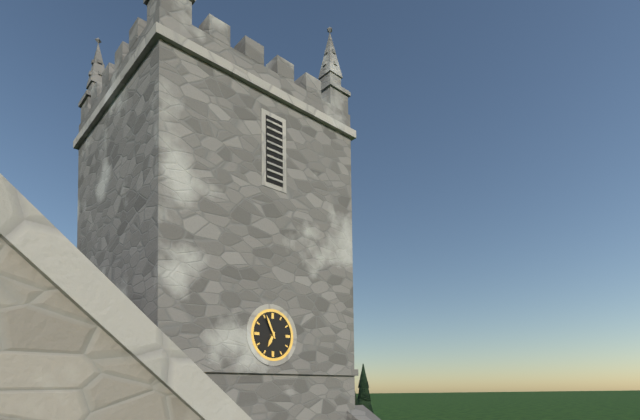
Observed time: 6:56
